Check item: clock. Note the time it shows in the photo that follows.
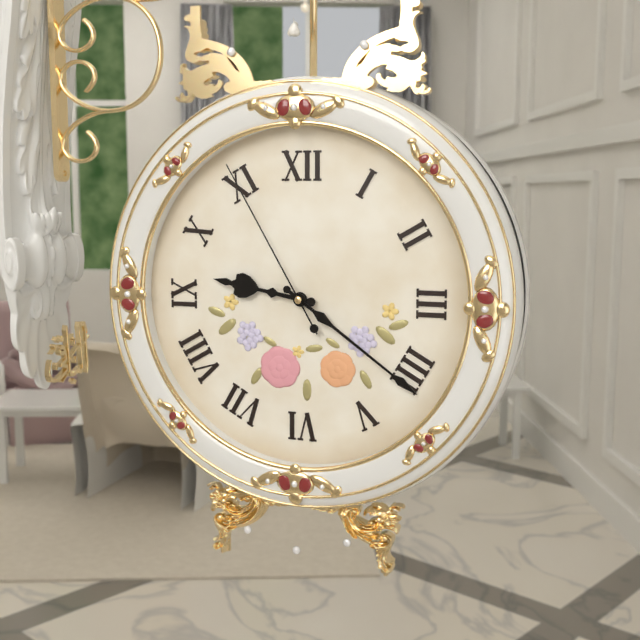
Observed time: 9:21:55
